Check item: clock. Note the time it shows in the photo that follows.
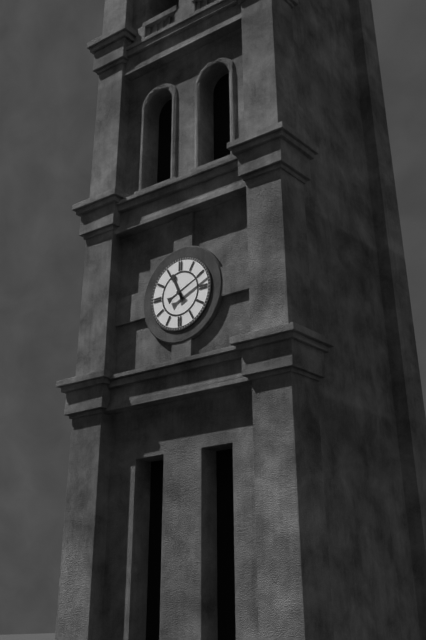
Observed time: 11:11
